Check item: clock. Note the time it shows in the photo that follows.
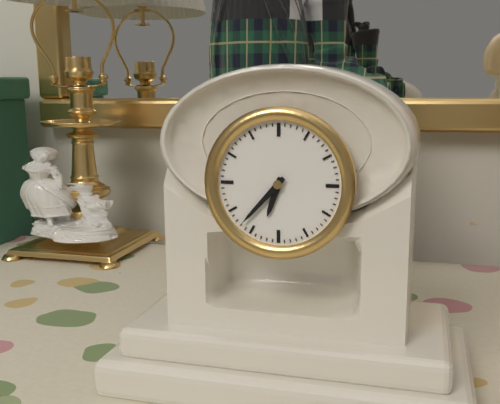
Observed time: 6:37
